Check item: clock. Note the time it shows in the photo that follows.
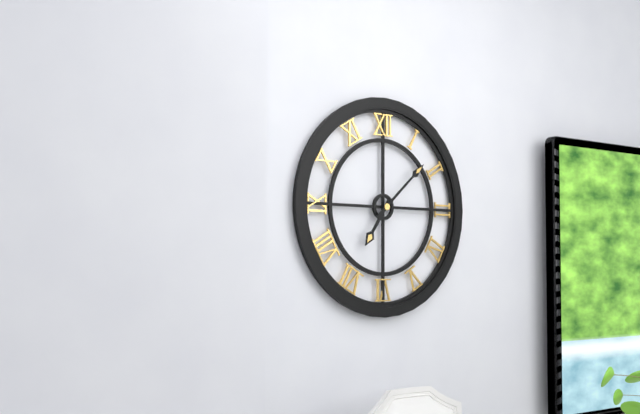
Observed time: 7:08
